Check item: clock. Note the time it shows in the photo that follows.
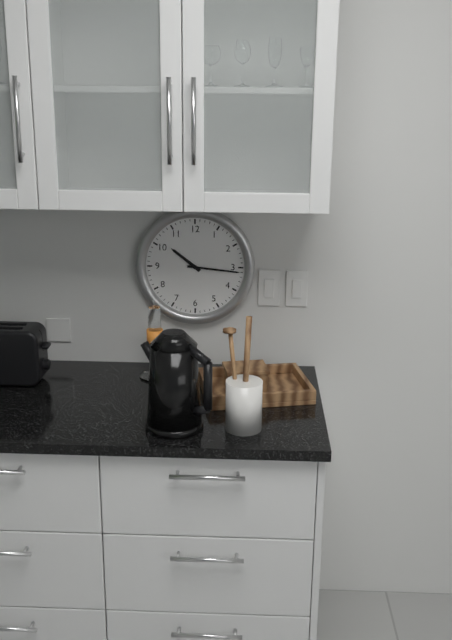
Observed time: 10:16
